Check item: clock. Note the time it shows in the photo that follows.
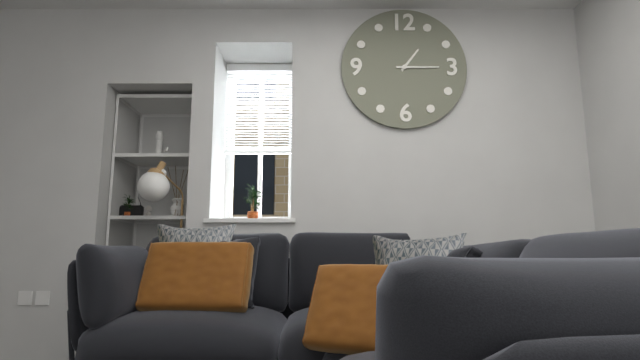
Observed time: 1:15
